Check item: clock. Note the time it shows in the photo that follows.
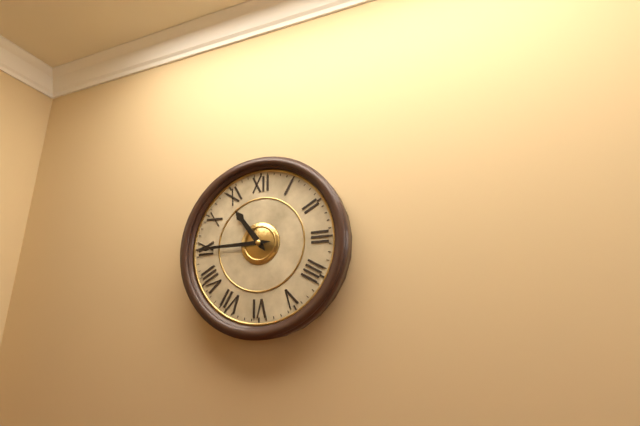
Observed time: 10:45
